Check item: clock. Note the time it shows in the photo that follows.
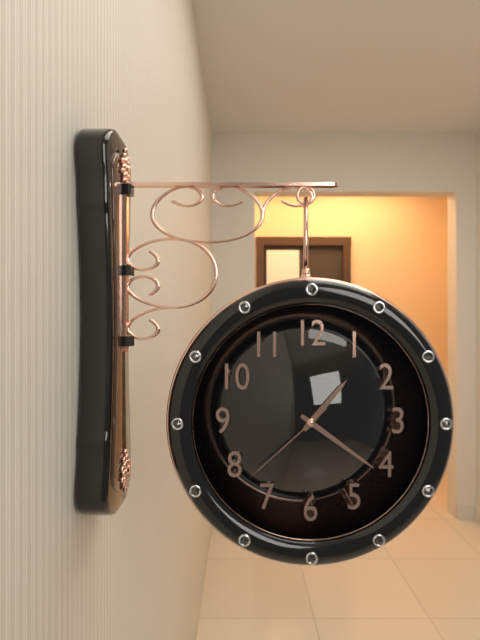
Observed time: 1:21:38
